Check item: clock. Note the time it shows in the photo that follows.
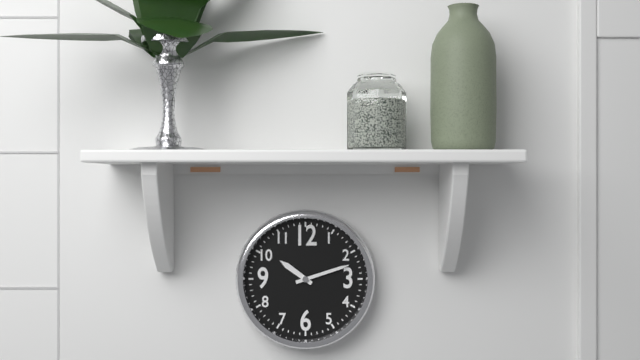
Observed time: 10:12
